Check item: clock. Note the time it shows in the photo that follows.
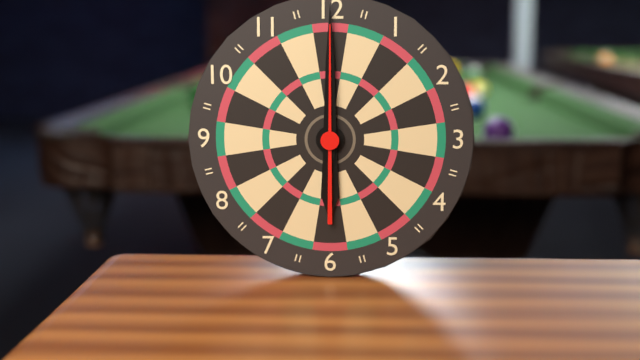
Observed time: 6:00:00
